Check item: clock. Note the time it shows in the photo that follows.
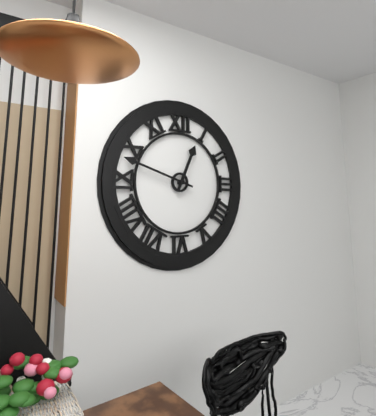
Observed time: 12:48
